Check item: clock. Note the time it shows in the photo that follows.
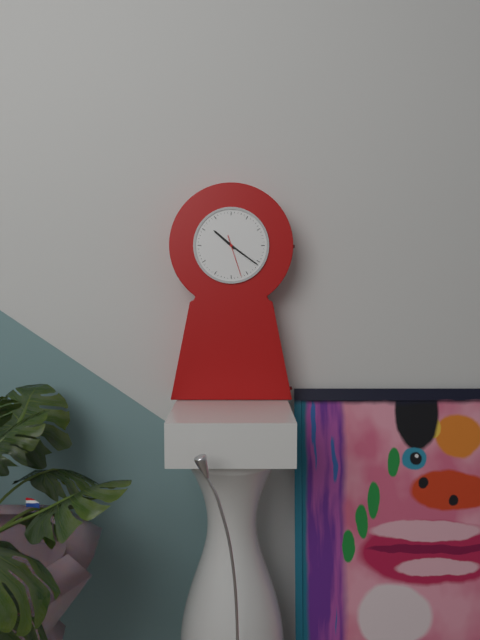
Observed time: 10:21
